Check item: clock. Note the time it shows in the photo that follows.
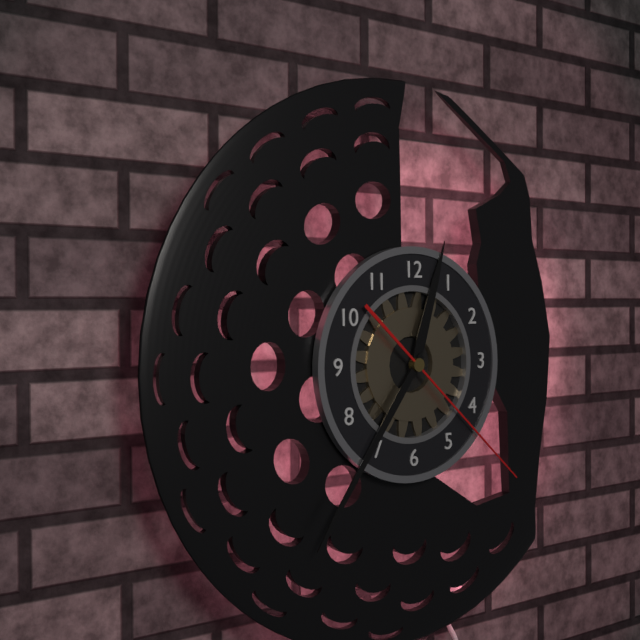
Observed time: 12:36:22
